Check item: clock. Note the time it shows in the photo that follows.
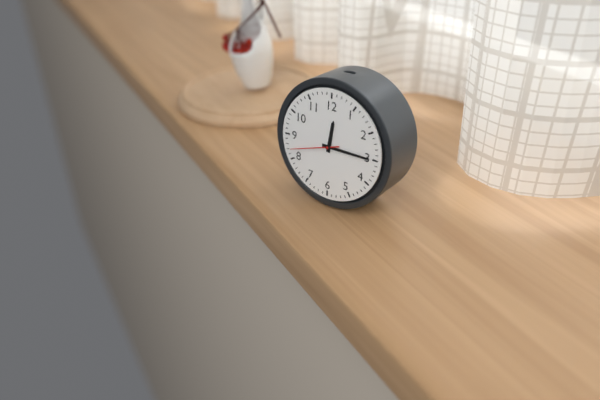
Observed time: 12:15
